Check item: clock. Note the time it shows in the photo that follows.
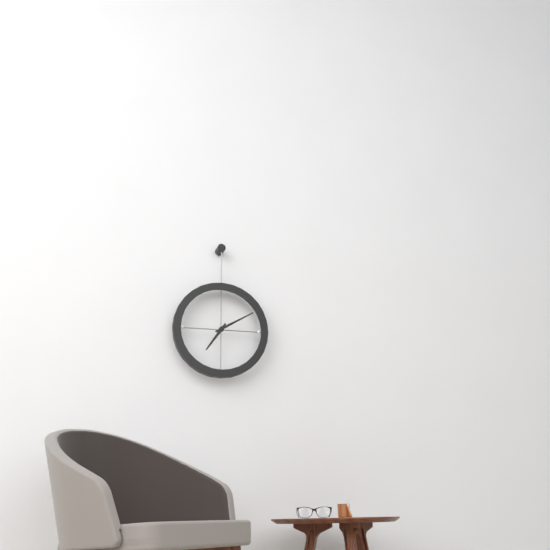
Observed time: 7:10
